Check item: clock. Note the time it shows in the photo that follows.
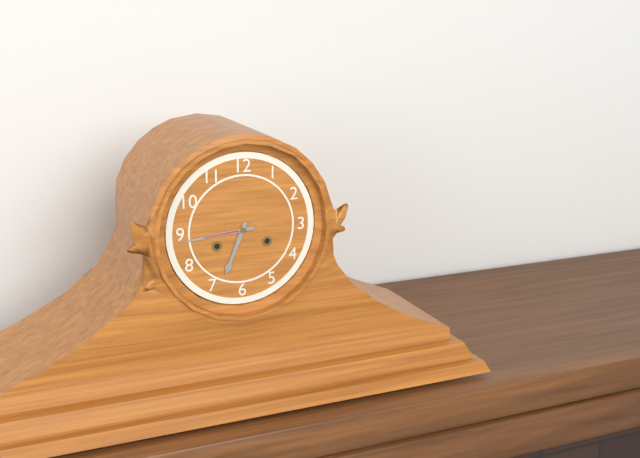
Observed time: 6:44
